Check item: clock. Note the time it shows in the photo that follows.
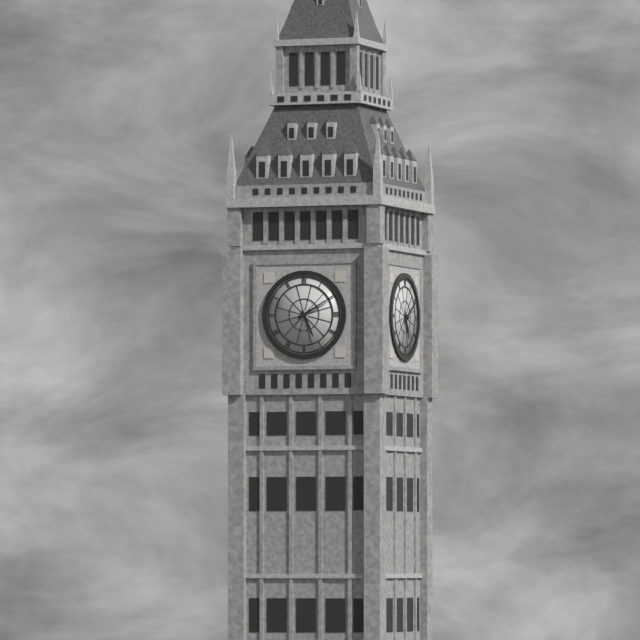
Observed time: 5:10
